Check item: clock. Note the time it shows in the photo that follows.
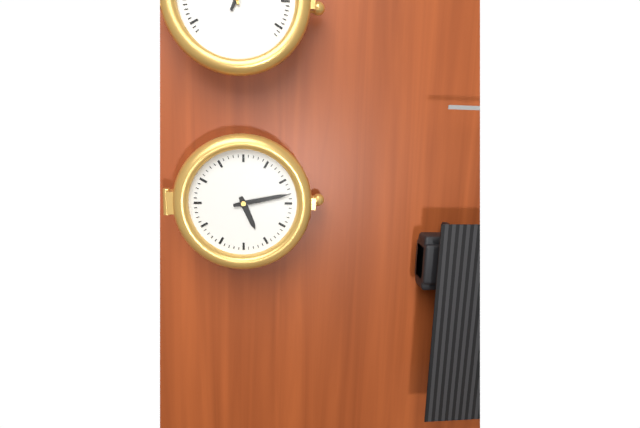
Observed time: 5:13
